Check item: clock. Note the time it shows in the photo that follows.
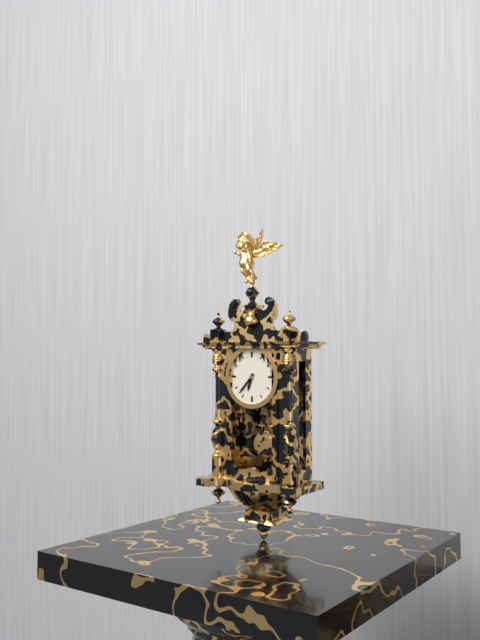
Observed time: 6:37
